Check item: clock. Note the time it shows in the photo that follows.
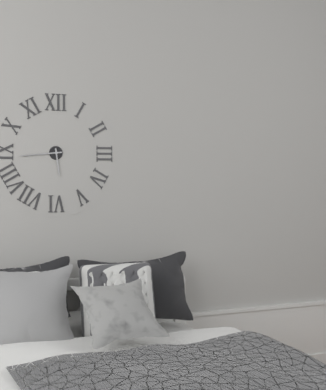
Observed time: 5:44
